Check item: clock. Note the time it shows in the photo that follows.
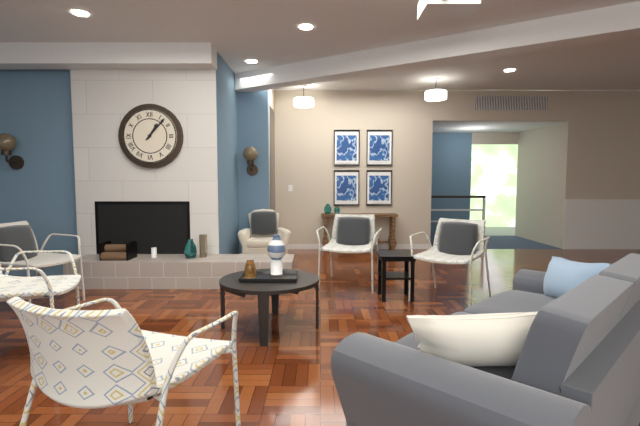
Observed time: 1:07
